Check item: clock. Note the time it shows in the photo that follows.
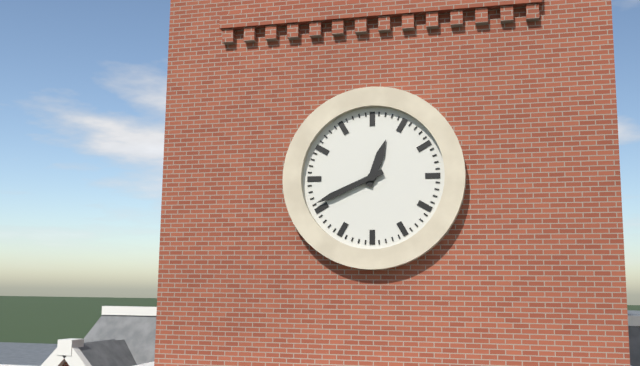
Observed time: 12:41
